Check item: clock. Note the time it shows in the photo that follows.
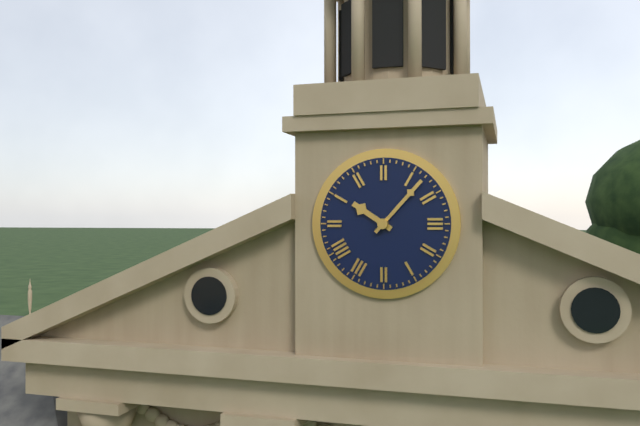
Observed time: 10:07
